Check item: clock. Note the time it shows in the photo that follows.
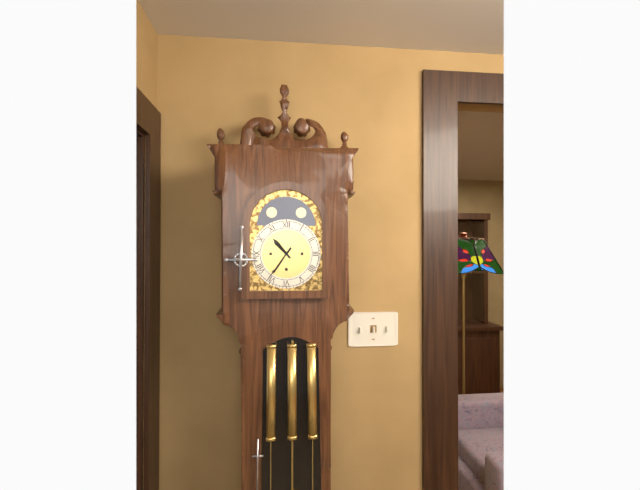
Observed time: 10:36
